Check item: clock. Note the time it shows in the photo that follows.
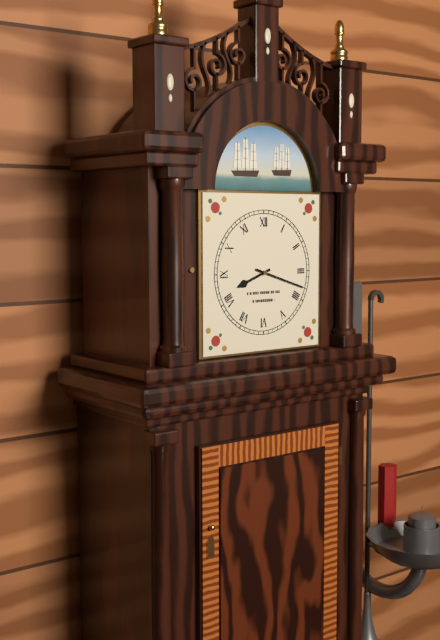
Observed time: 8:18
